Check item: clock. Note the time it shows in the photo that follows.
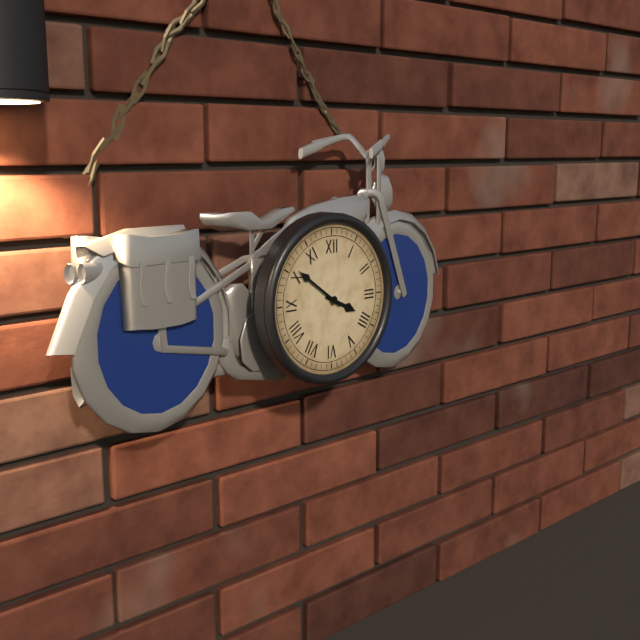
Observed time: 3:51
